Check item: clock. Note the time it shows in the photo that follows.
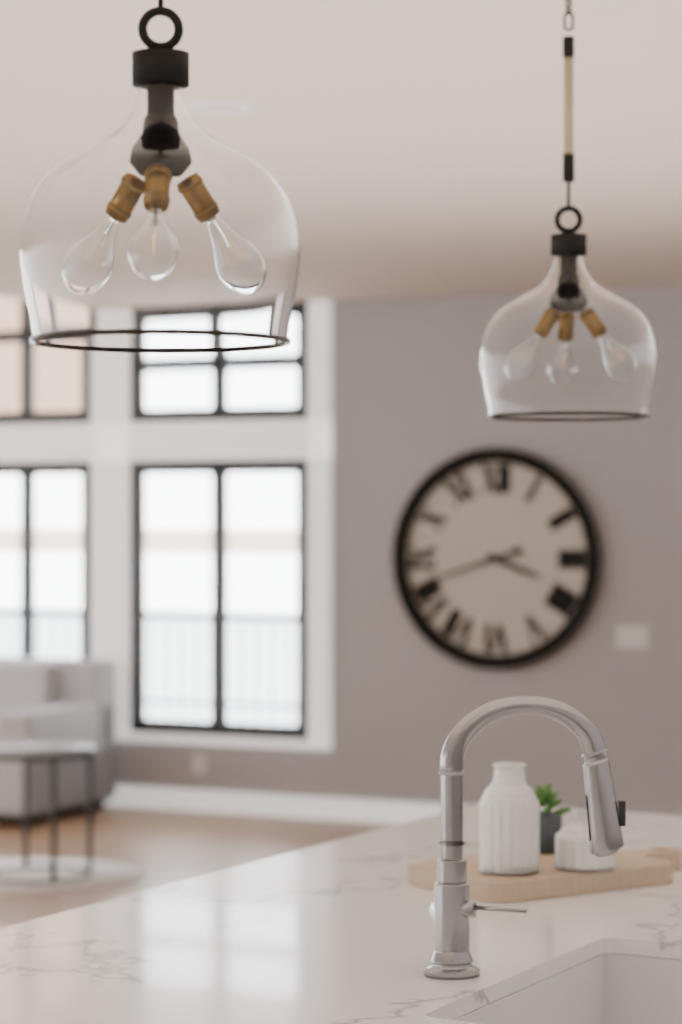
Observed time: 3:42
